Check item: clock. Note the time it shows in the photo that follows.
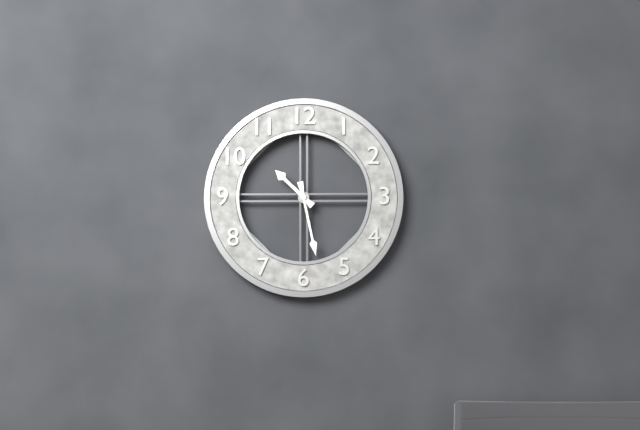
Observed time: 10:28
